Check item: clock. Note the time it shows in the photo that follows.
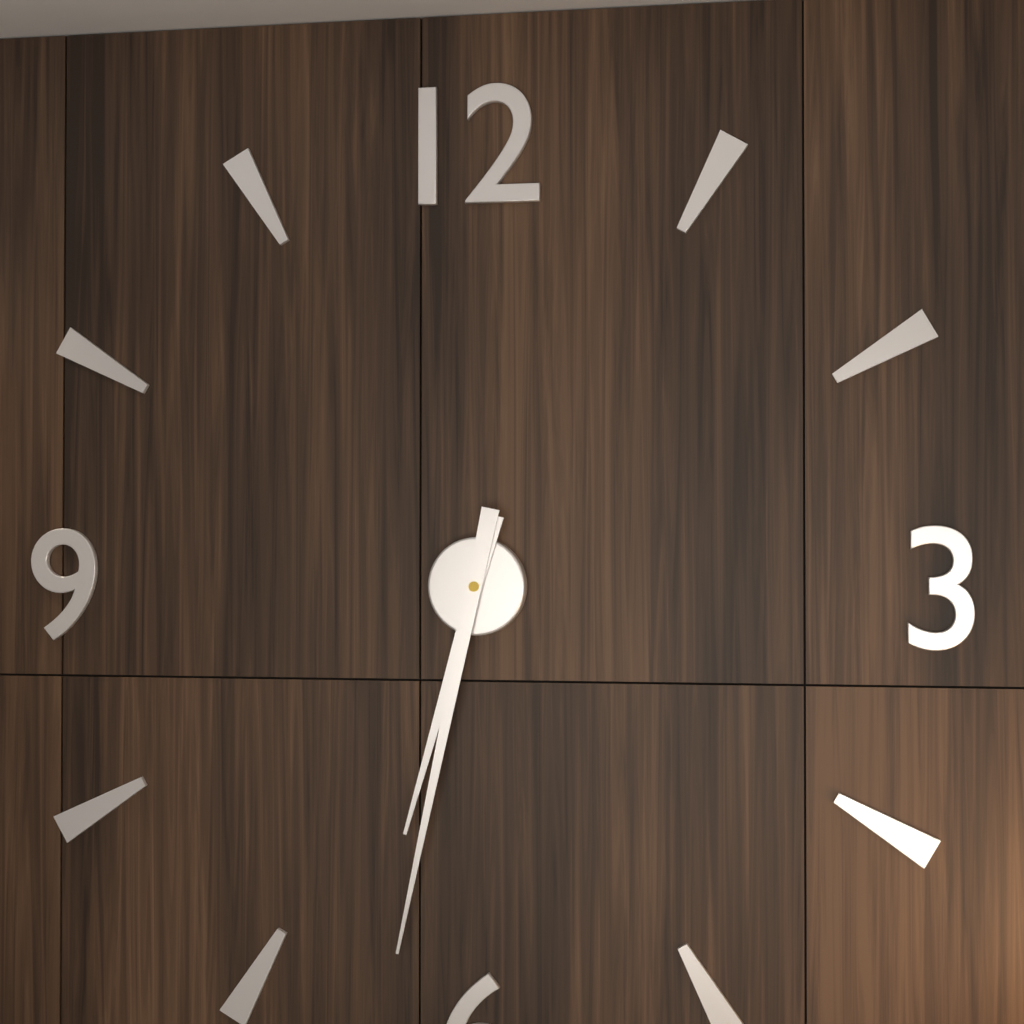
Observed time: 6:32
